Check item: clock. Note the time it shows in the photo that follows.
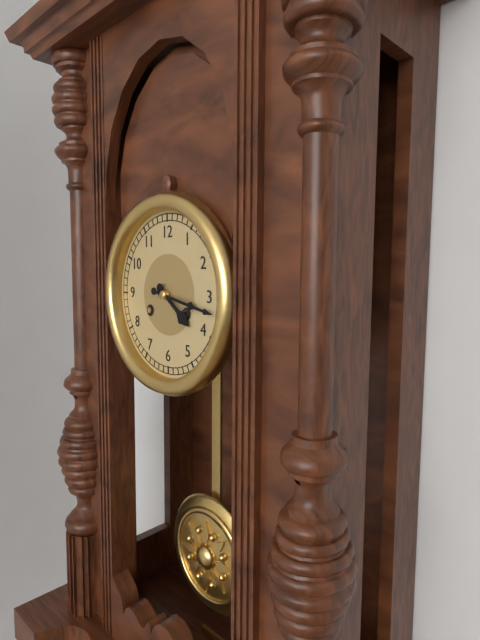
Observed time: 4:17
